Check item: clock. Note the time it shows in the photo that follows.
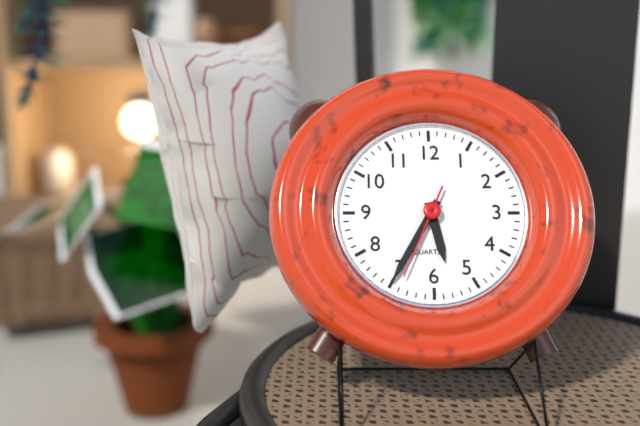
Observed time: 5:35:34
